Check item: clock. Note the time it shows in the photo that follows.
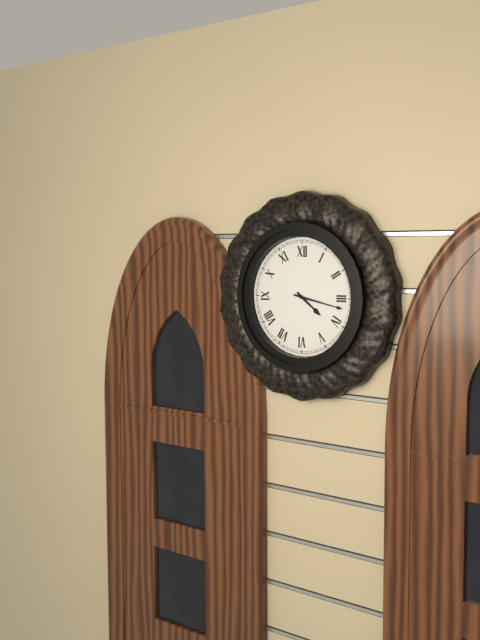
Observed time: 4:17
